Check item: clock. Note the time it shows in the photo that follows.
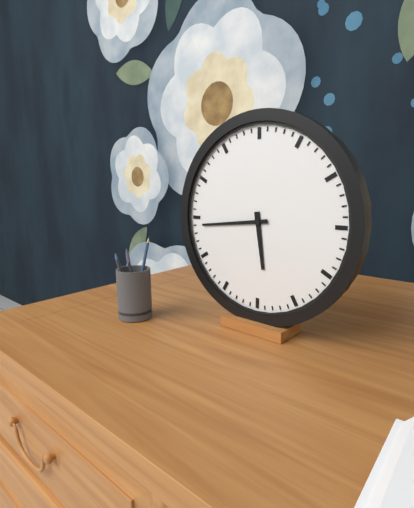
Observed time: 5:44
